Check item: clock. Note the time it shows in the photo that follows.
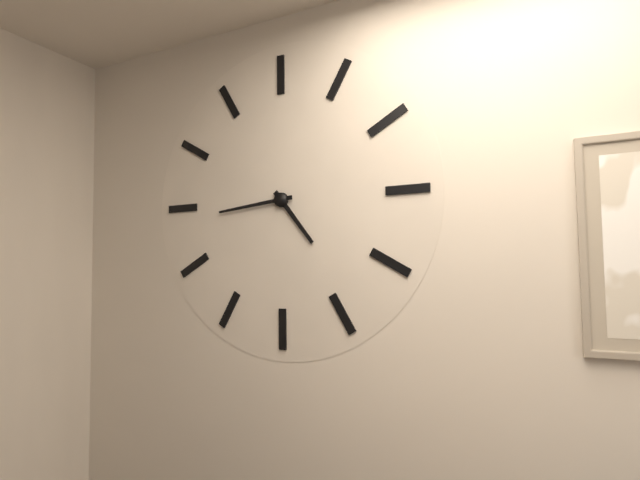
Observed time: 4:44
